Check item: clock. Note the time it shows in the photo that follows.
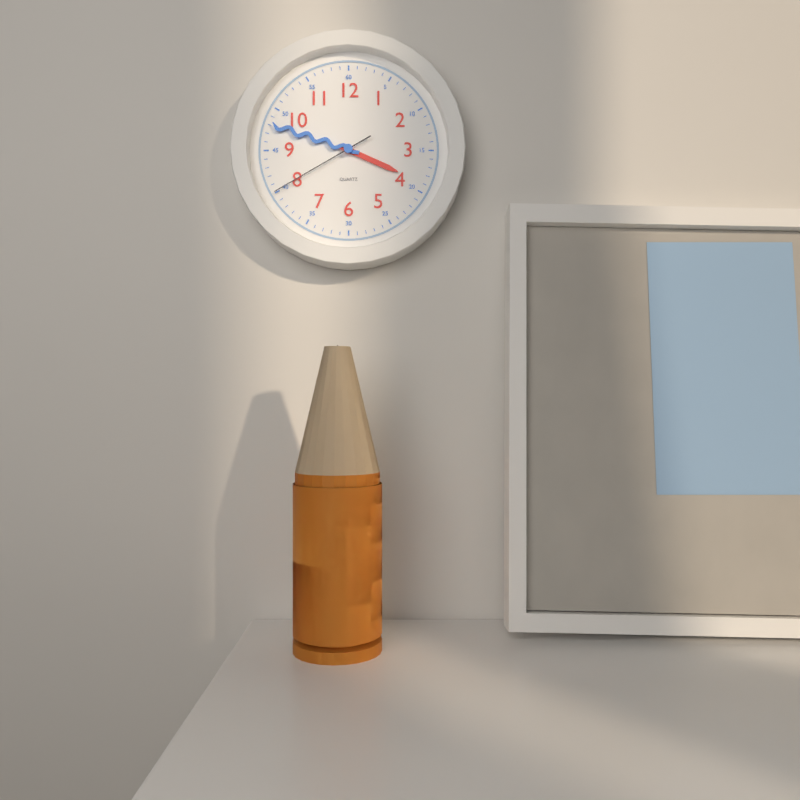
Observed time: 3:48:40
